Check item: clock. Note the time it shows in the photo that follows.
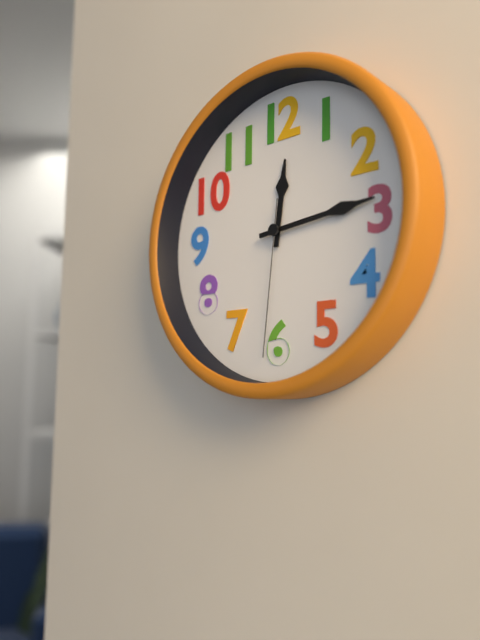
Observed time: 12:14:31
